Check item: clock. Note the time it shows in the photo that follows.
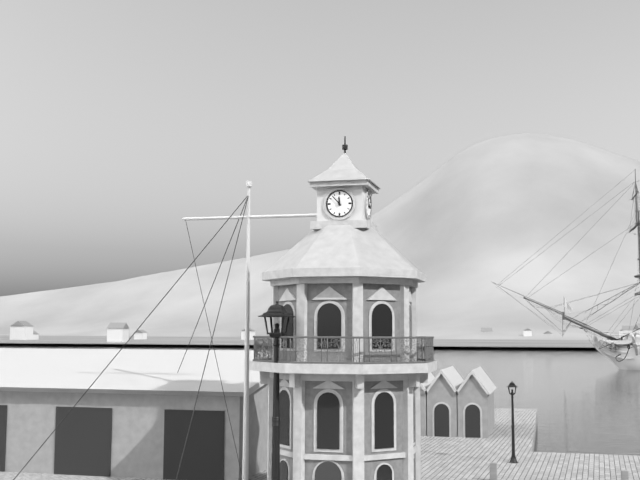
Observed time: 11:53
